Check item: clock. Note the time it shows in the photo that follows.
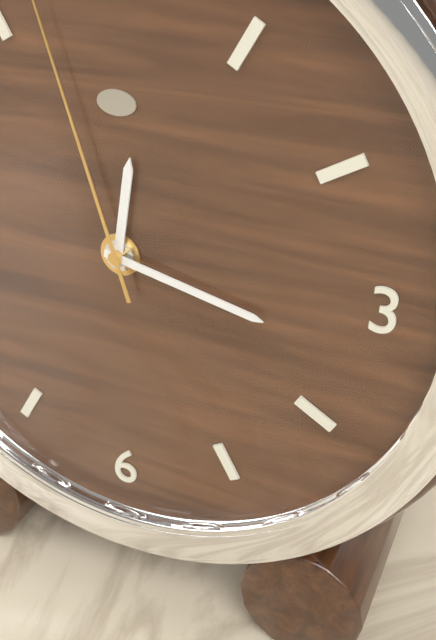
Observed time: 12:17
